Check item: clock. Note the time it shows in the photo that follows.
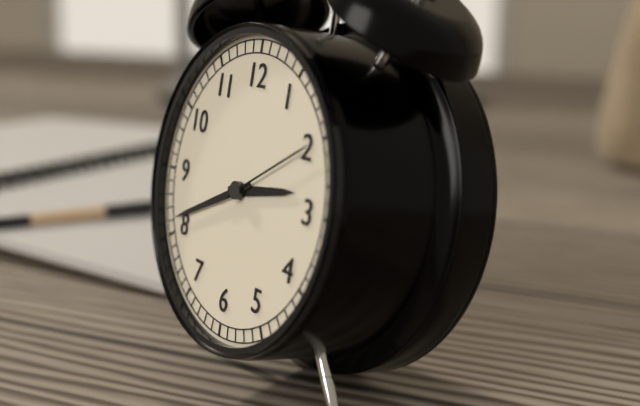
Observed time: 2:41:10
